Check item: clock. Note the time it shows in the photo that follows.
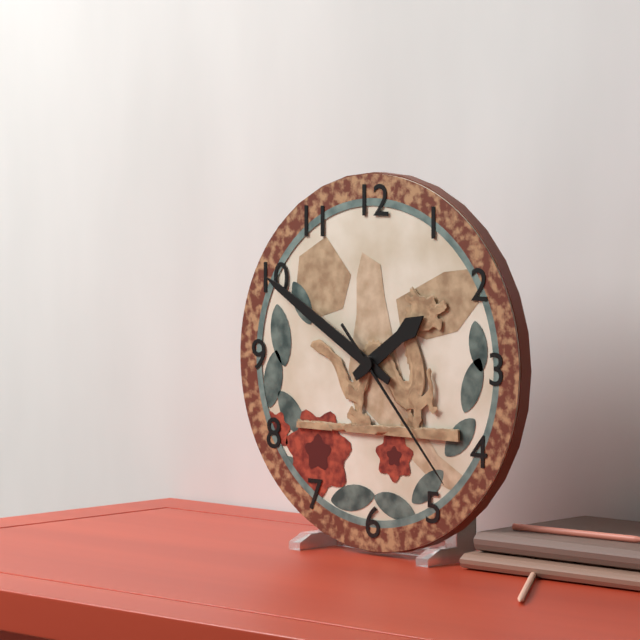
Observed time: 1:50:23
